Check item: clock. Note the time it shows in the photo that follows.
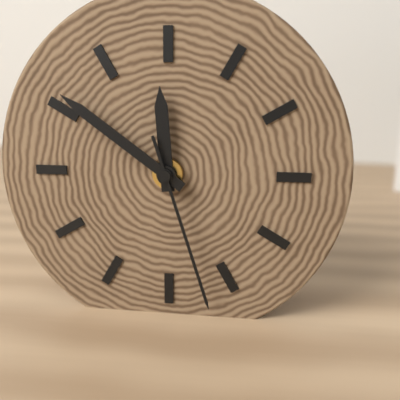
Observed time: 11:51:27
